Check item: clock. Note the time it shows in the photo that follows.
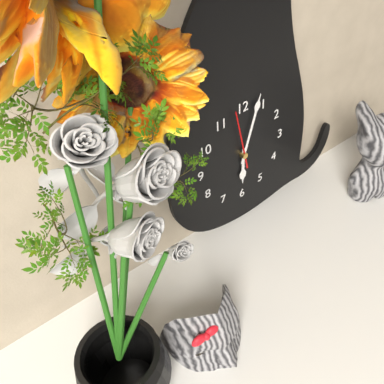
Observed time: 6:03:58
